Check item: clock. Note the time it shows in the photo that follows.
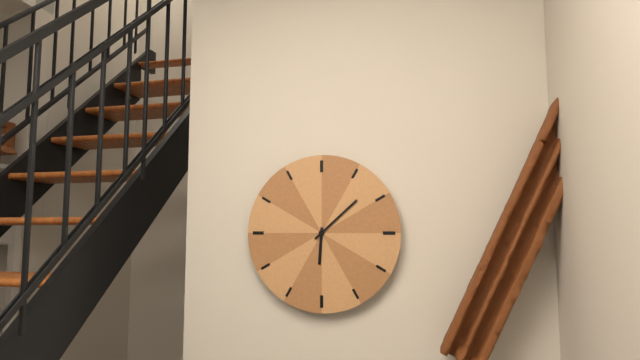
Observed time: 6:08
